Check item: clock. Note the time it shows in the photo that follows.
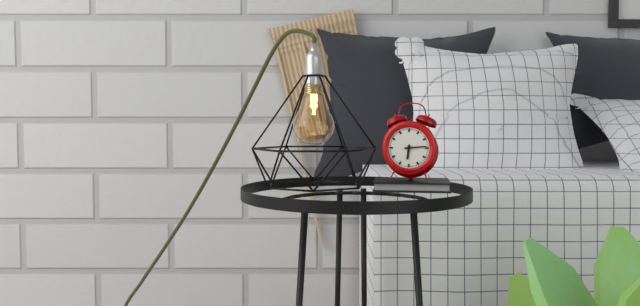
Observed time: 6:14
